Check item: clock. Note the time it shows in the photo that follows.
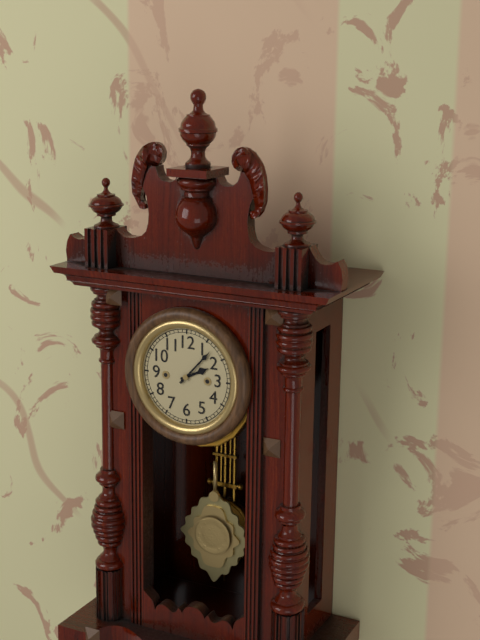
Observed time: 2:07
